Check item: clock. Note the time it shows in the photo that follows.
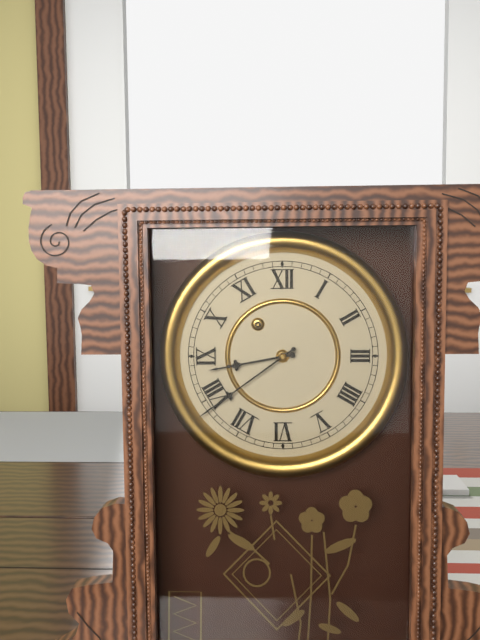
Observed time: 8:39
